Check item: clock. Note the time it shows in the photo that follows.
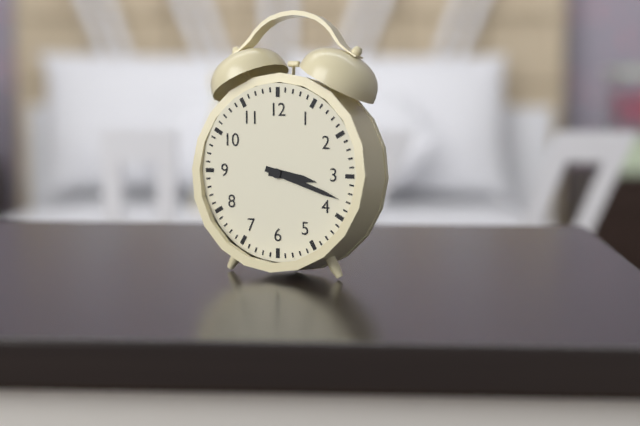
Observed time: 3:18
